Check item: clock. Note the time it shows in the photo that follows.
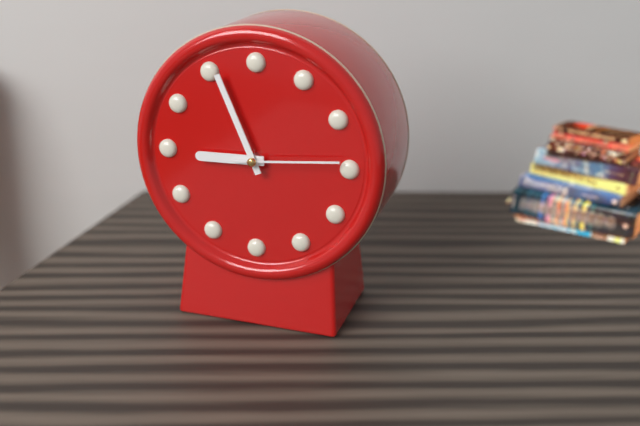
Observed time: 8:56:14
